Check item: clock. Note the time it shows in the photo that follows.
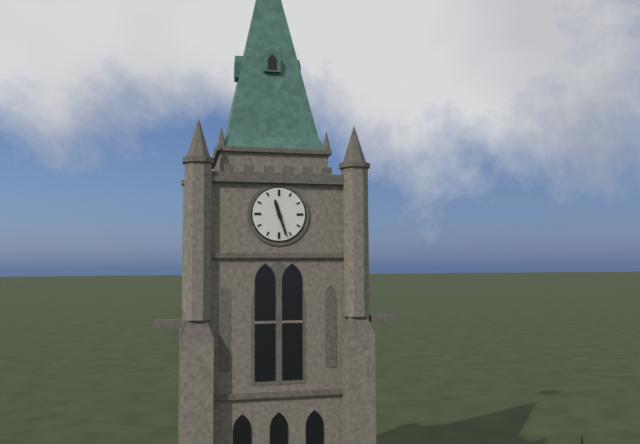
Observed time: 11:27
